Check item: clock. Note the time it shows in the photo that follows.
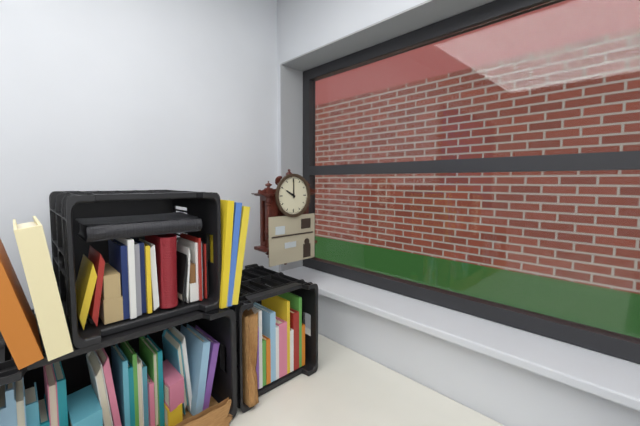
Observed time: 10:00
